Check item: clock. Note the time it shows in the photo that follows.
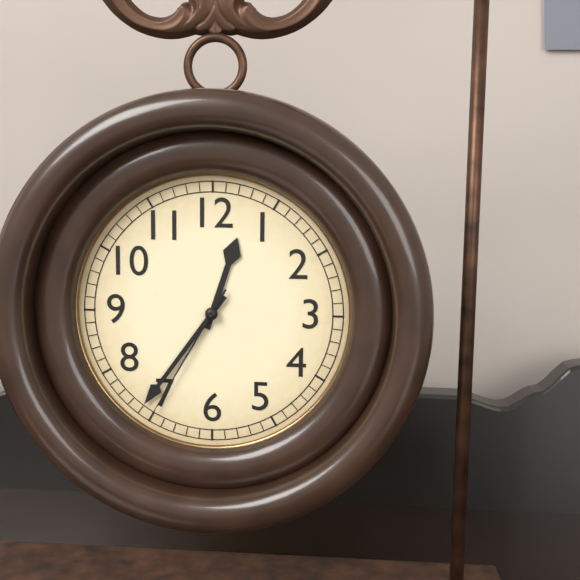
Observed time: 12:36:35
